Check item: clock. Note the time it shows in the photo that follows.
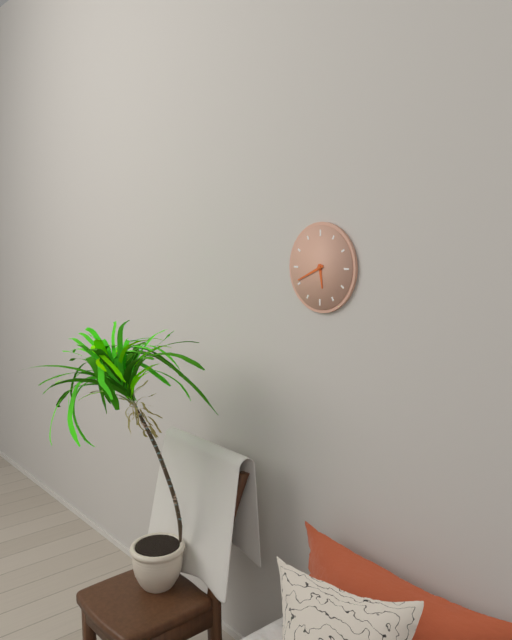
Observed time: 5:41
